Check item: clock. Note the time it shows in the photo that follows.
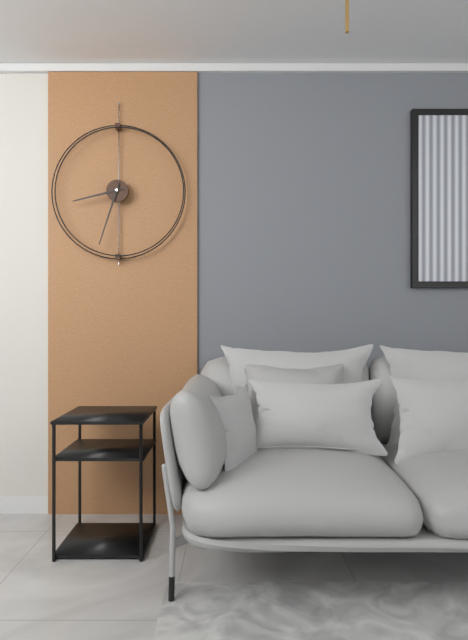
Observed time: 8:33
